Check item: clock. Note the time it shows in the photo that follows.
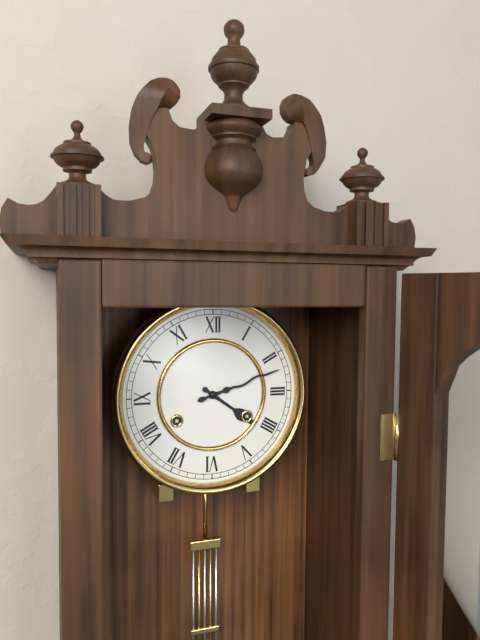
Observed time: 4:12
